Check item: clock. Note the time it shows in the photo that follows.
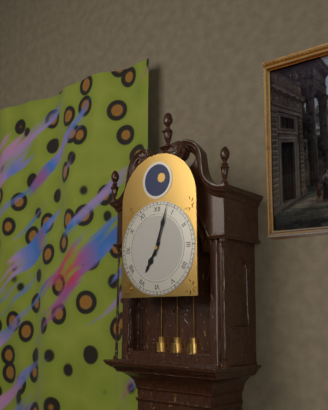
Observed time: 7:03
